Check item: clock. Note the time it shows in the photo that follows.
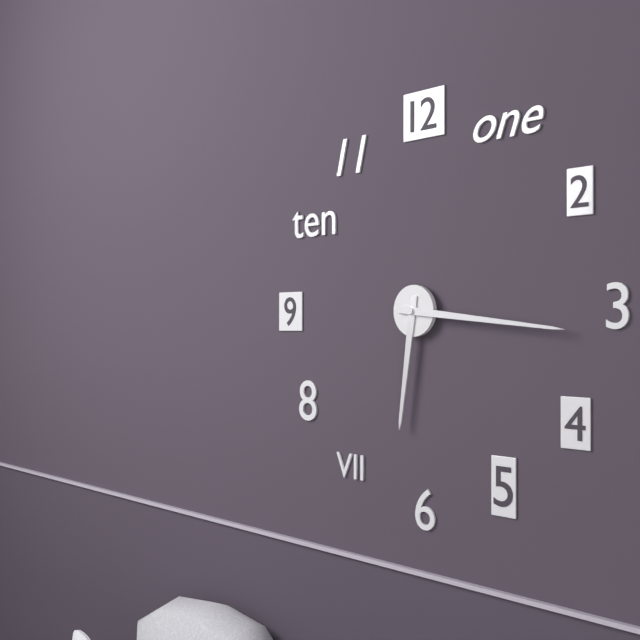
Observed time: 6:16
